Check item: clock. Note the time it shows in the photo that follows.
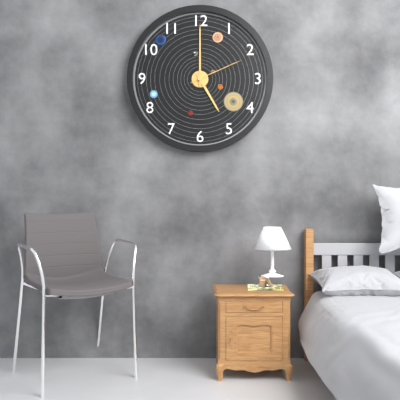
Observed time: 5:00:11
